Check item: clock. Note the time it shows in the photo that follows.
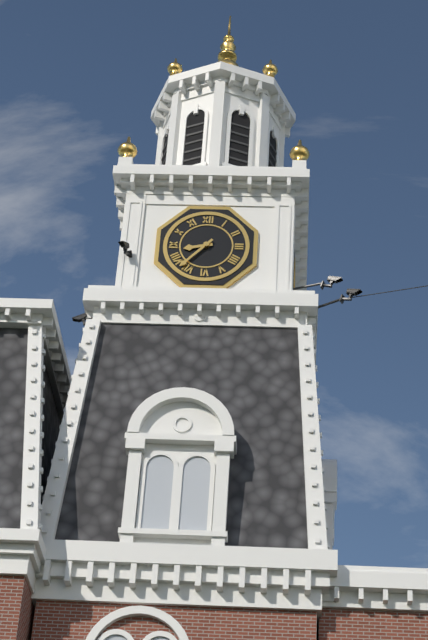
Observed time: 8:37
